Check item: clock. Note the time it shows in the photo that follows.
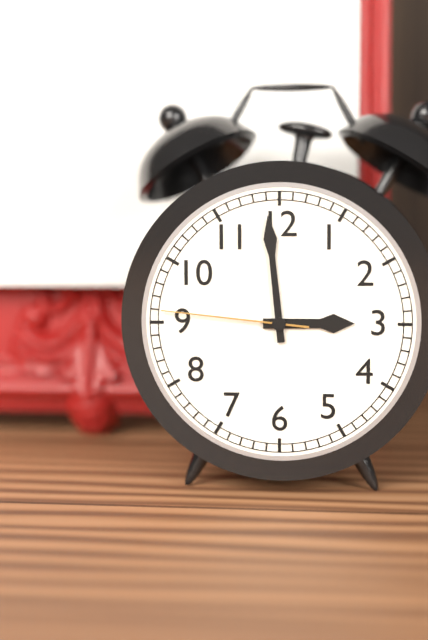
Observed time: 2:59:46
